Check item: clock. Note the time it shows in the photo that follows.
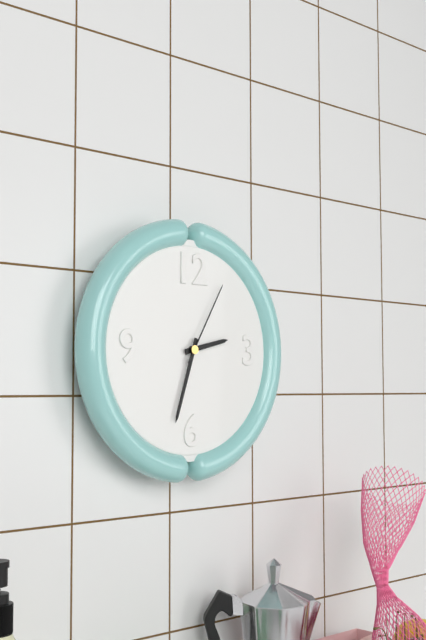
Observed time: 2:33:05
